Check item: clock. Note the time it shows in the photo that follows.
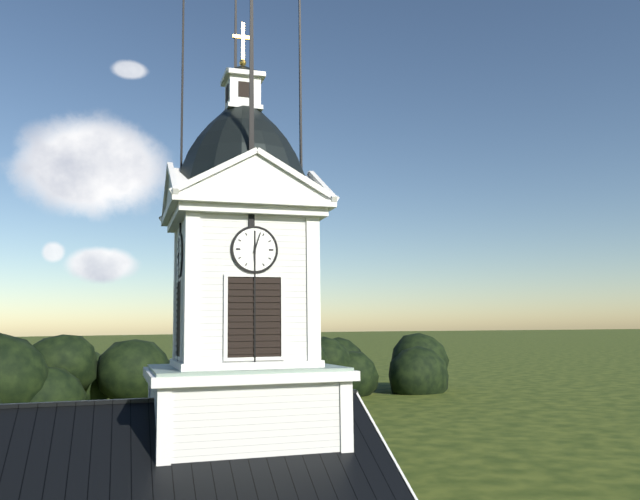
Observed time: 6:03
